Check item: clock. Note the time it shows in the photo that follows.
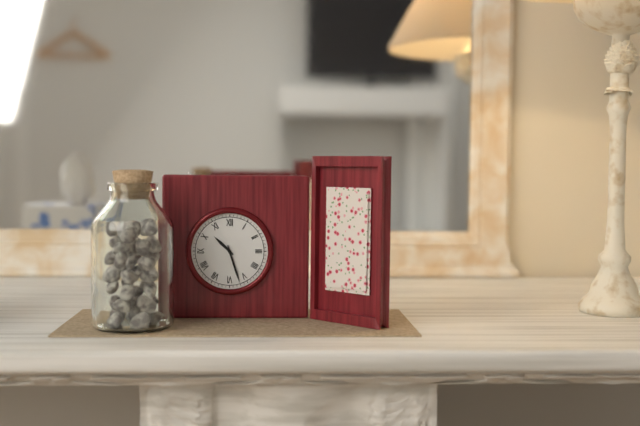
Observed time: 10:27
